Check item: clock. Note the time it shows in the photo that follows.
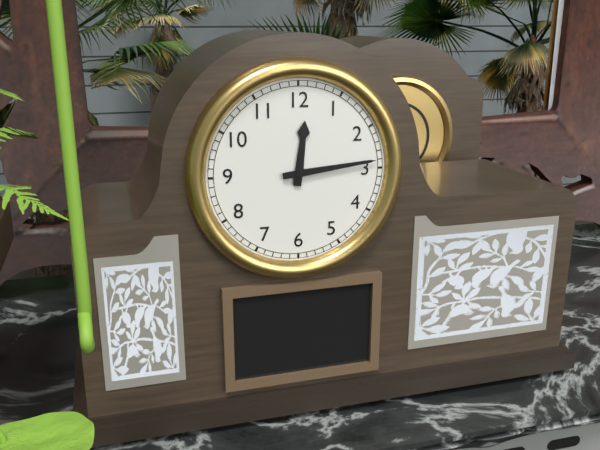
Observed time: 12:14
